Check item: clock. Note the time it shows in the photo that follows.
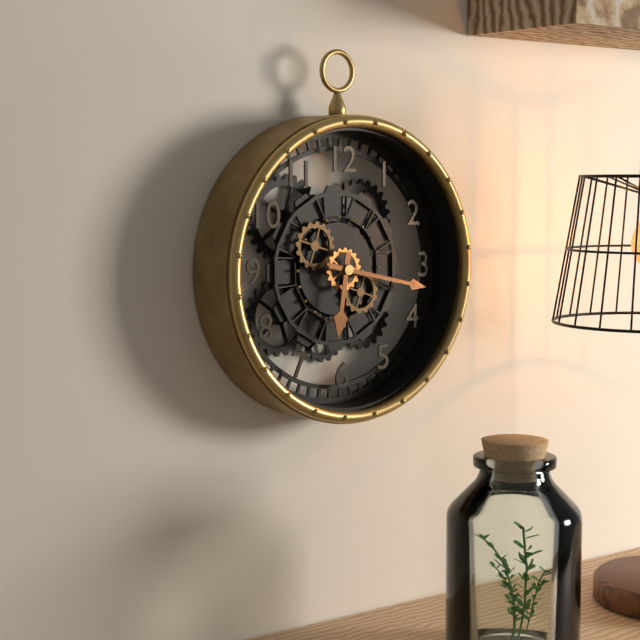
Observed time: 6:17
